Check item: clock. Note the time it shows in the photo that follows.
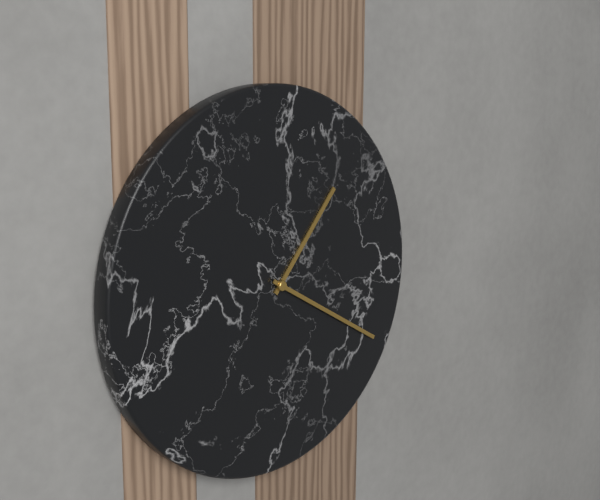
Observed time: 1:20
